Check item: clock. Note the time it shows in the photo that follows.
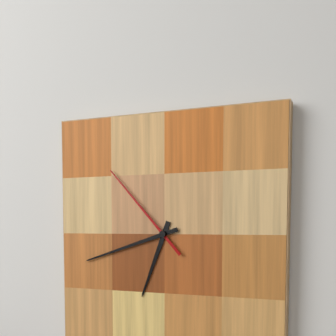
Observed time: 6:42:53
